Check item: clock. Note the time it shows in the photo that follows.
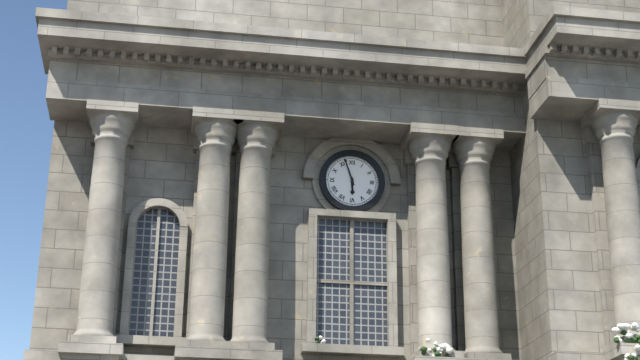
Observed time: 5:57
